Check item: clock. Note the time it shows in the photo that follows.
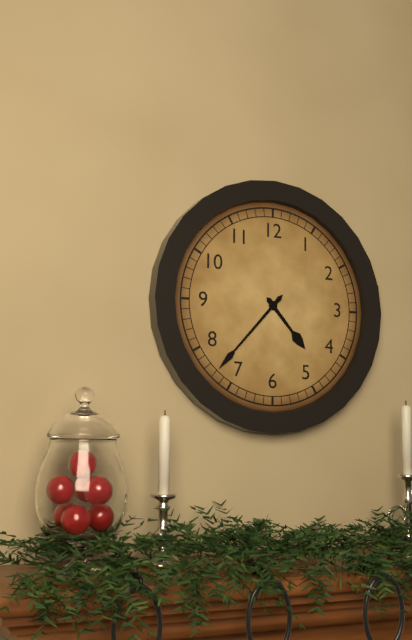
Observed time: 4:37
